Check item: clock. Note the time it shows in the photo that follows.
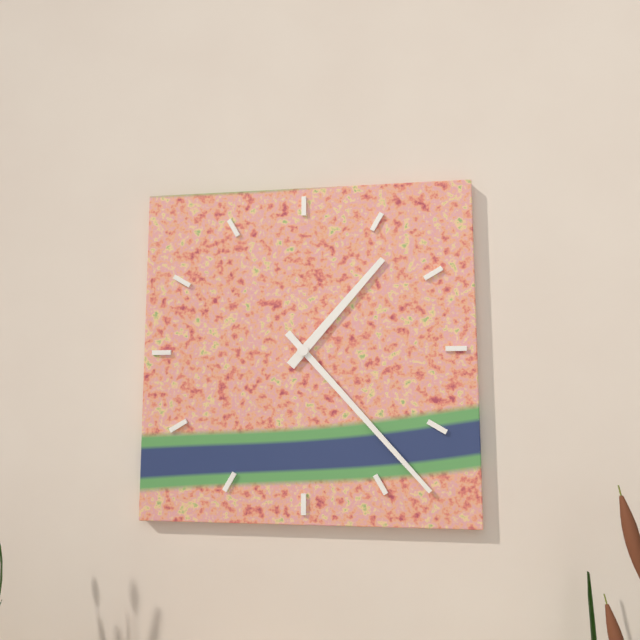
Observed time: 1:23
